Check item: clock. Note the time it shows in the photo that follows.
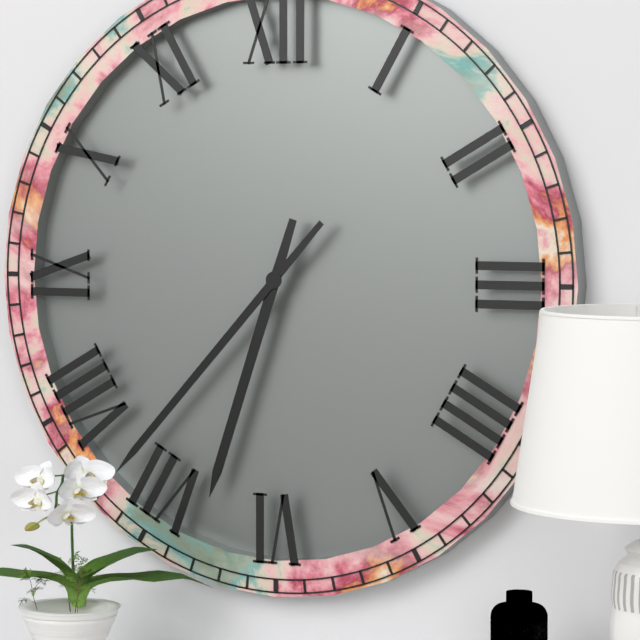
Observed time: 6:37
